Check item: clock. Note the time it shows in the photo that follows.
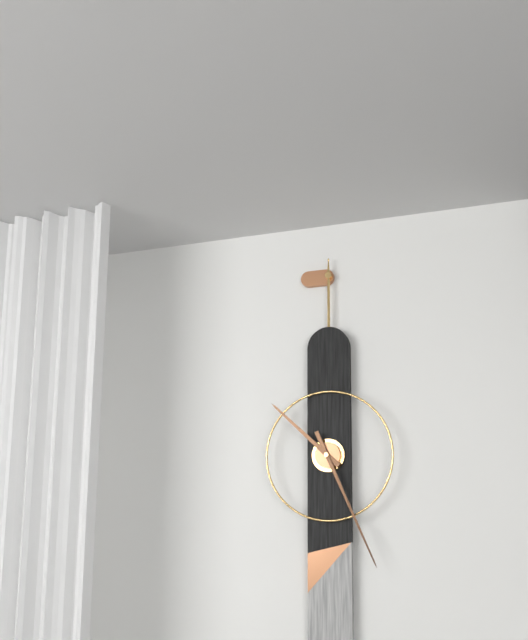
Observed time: 10:26
